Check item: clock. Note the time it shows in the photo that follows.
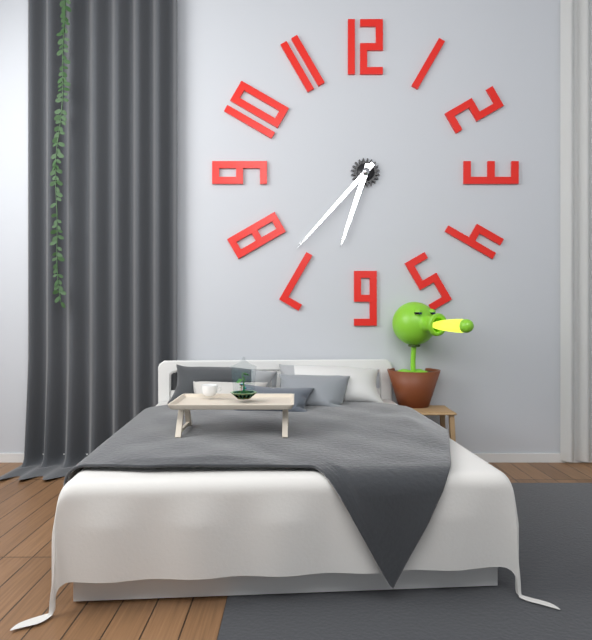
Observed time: 6:37
